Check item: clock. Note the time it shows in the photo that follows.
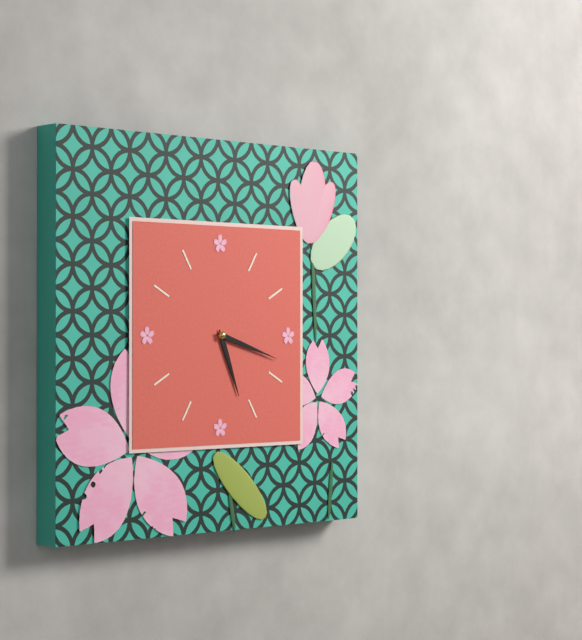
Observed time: 5:18
